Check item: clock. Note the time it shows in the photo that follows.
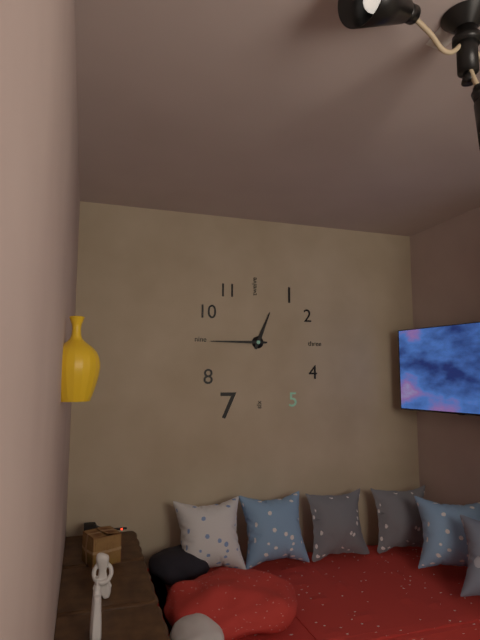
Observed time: 12:45
